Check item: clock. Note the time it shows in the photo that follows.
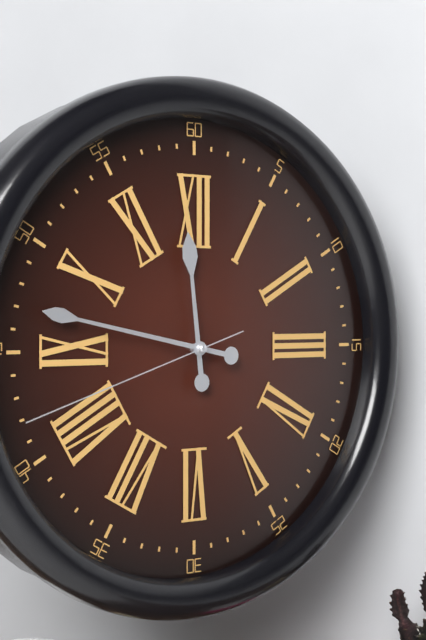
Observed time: 11:47:42
